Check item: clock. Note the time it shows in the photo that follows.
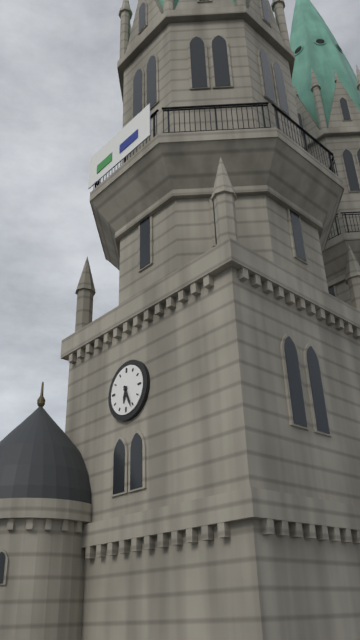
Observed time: 6:26
